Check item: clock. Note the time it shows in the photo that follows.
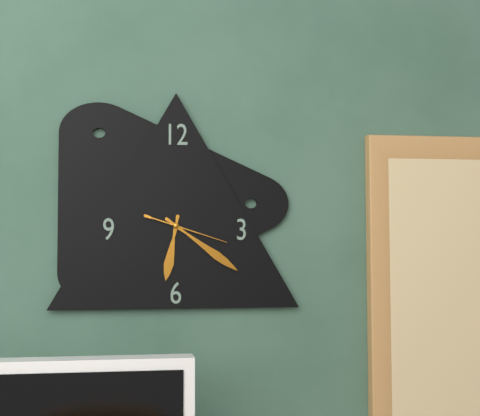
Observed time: 6:21:18
